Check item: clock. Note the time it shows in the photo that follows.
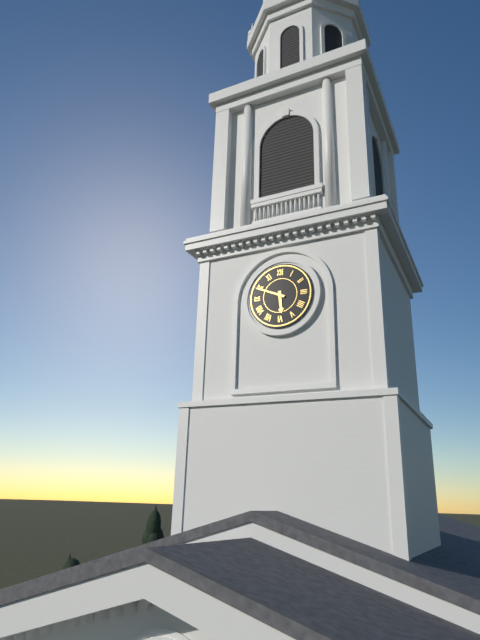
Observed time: 5:49
